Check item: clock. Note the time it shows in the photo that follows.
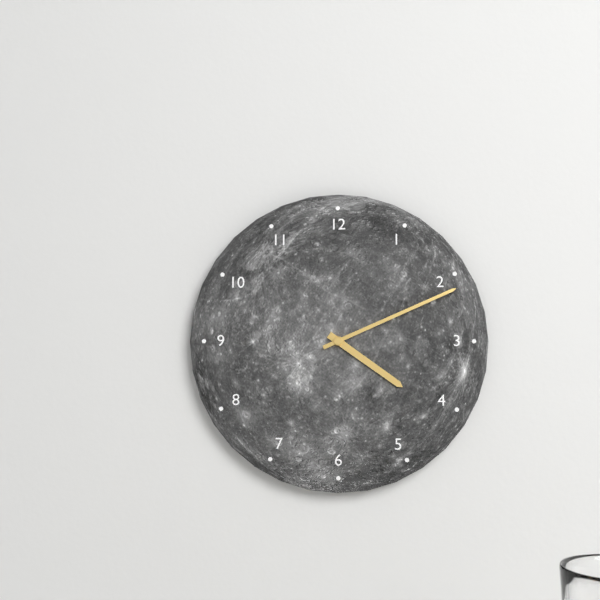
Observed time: 4:11
